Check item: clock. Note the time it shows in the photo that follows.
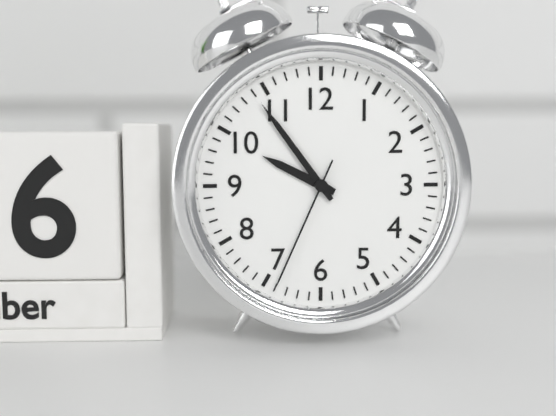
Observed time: 9:54:34
